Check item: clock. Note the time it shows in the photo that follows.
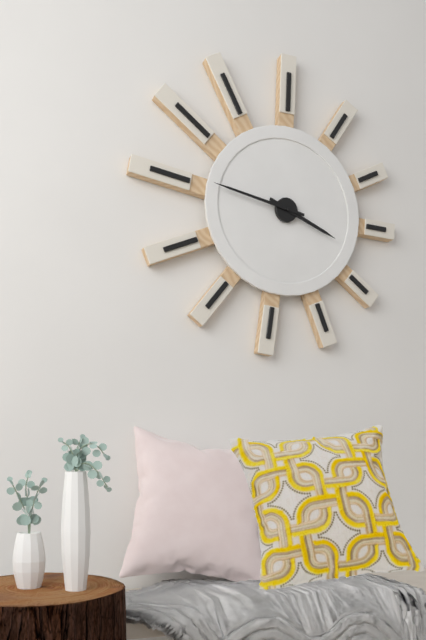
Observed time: 3:47
